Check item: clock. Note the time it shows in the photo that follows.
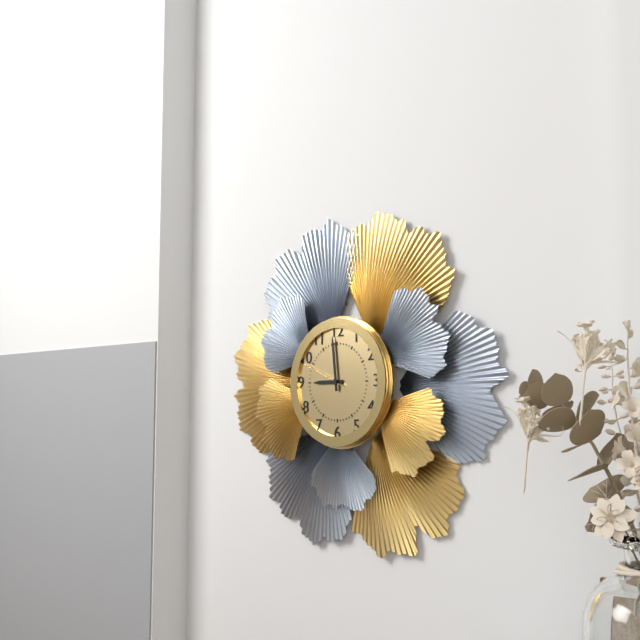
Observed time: 8:59:49
